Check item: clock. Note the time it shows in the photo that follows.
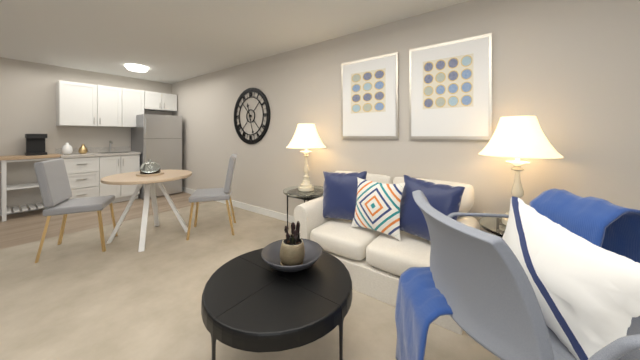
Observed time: 11:27
